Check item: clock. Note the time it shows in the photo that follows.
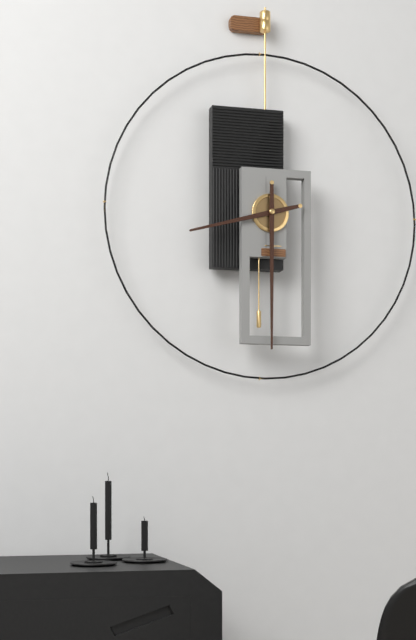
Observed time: 8:30
